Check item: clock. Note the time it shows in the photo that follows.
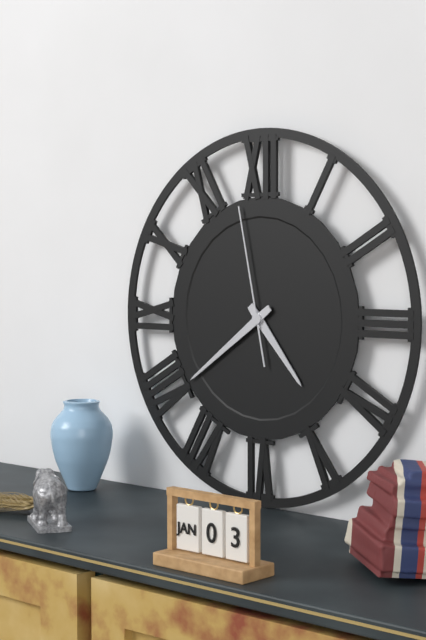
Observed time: 4:39:58
